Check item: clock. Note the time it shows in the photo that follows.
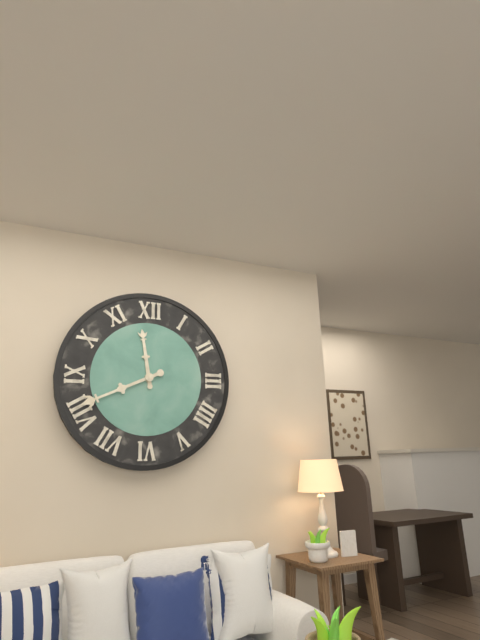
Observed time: 11:41
